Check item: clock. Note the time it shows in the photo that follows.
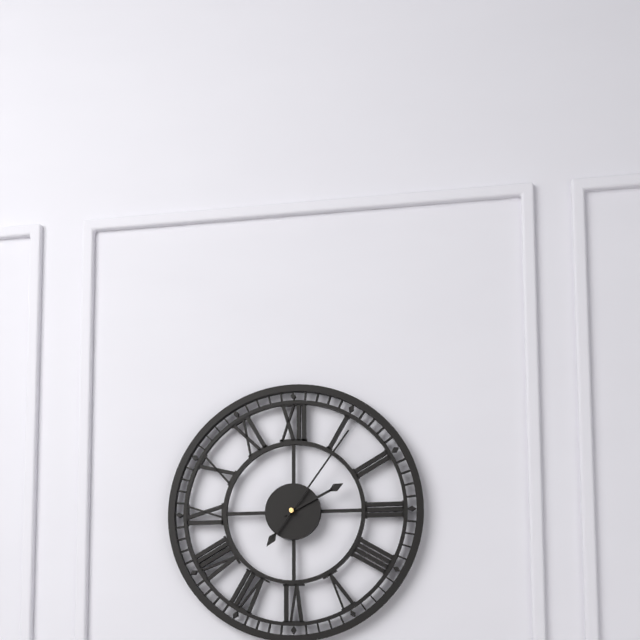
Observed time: 2:06
